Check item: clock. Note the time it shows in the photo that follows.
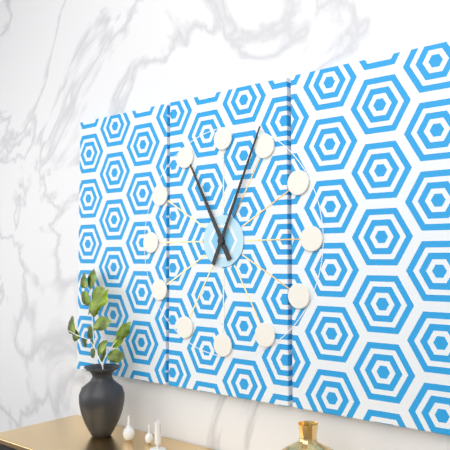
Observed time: 11:04
